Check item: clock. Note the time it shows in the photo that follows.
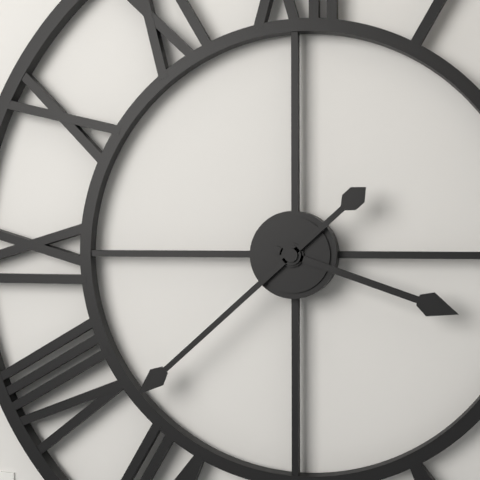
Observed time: 3:38
